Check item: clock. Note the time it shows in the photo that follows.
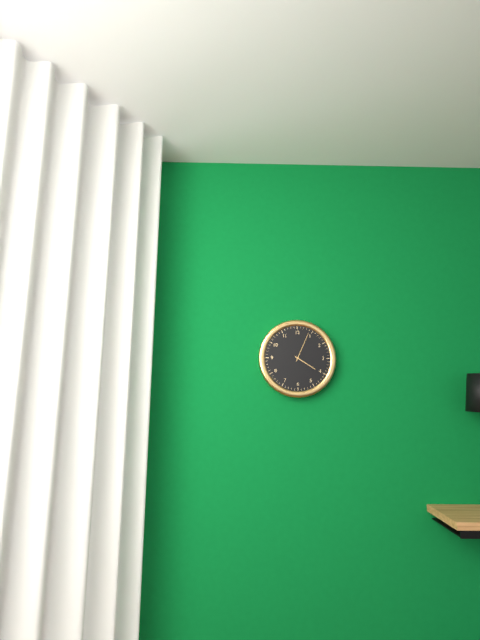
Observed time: 4:04
